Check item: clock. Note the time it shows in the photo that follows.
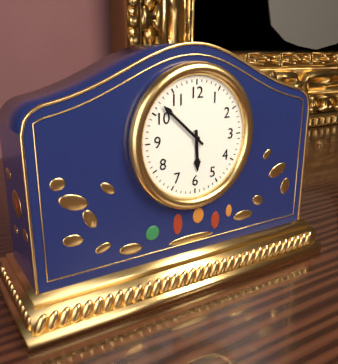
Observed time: 5:52
